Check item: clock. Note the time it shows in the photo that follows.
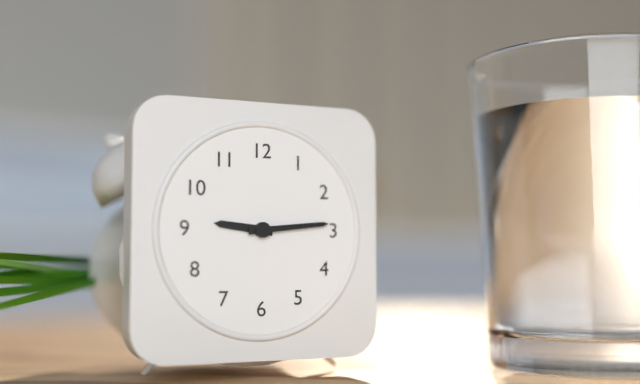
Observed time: 9:14
